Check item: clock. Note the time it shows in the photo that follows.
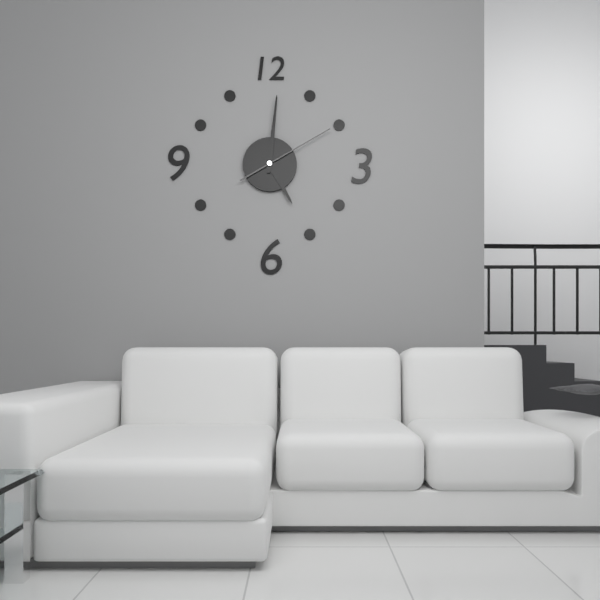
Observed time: 5:01:10
